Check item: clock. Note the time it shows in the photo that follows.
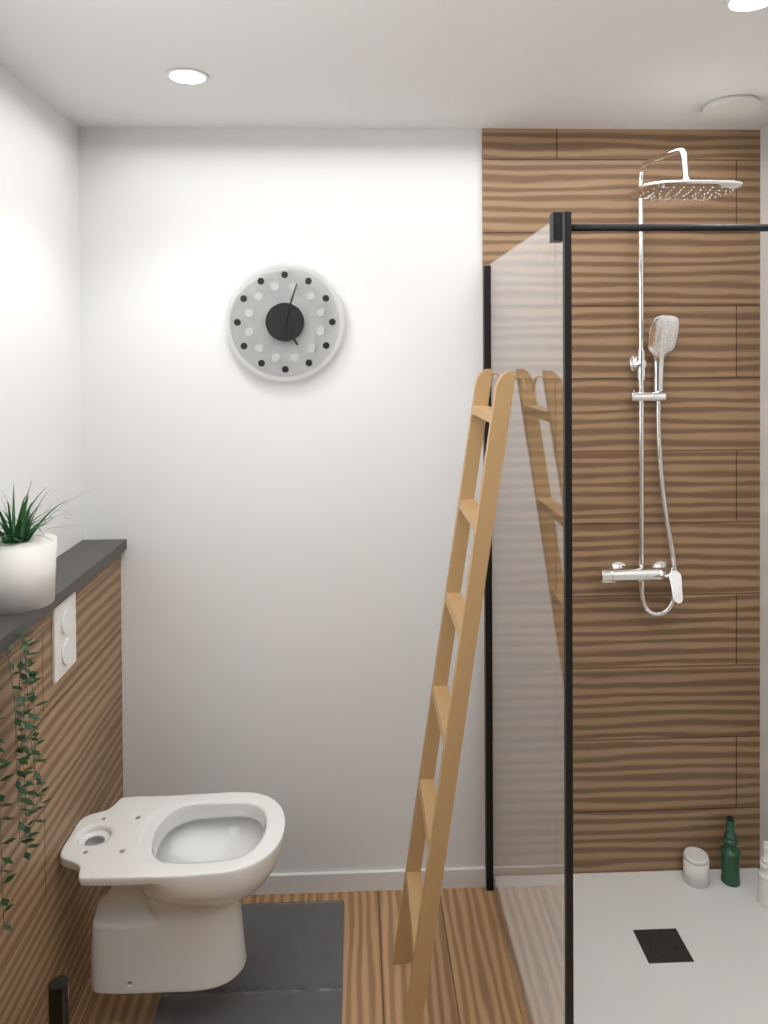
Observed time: 5:03
